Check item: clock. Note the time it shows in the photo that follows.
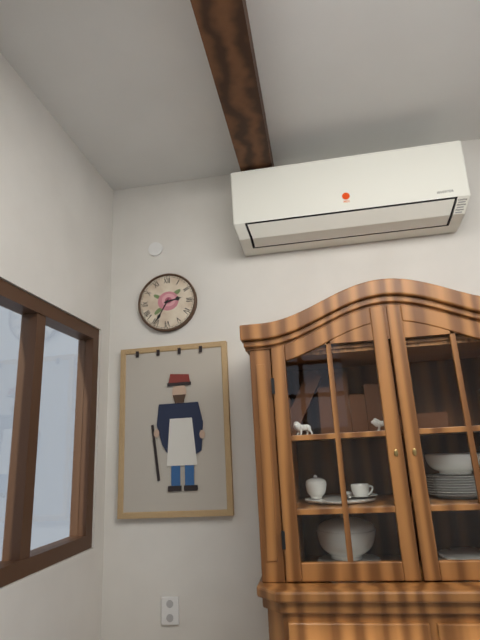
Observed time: 2:35
